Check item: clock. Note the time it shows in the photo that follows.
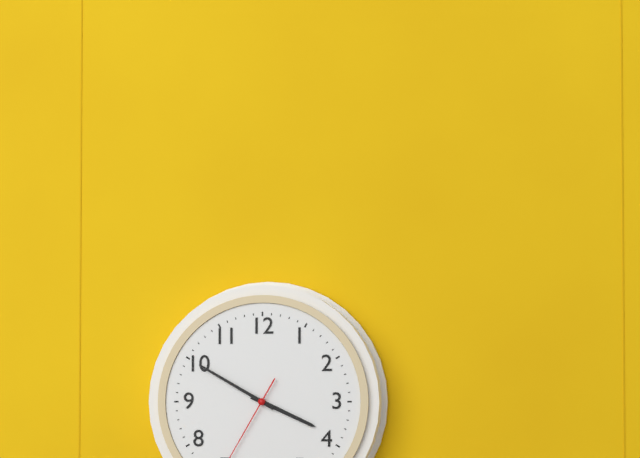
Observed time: 3:50
